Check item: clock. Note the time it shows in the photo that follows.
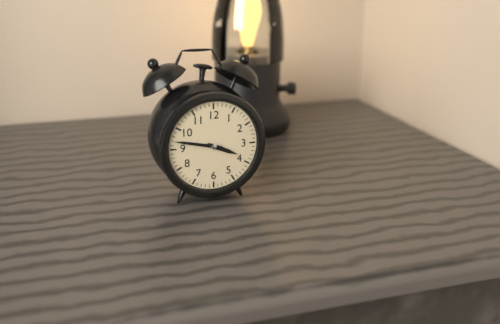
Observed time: 3:47
